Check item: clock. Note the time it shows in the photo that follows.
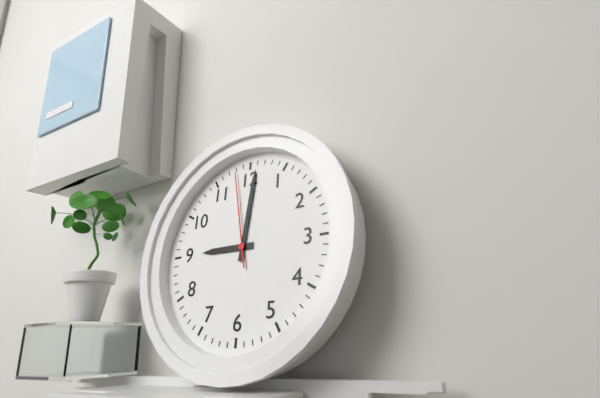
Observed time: 9:01:58
